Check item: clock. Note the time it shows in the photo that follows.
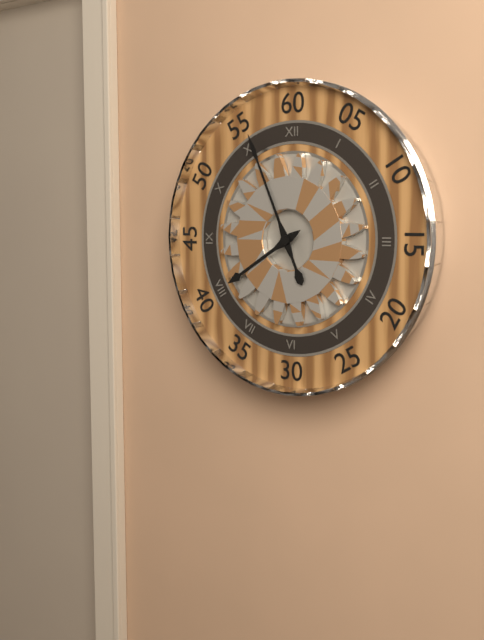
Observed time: 7:56
